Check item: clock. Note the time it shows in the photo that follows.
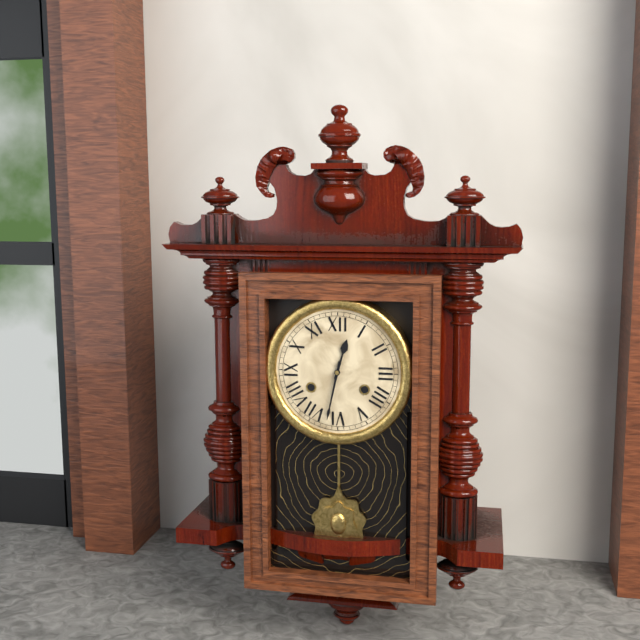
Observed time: 12:32
